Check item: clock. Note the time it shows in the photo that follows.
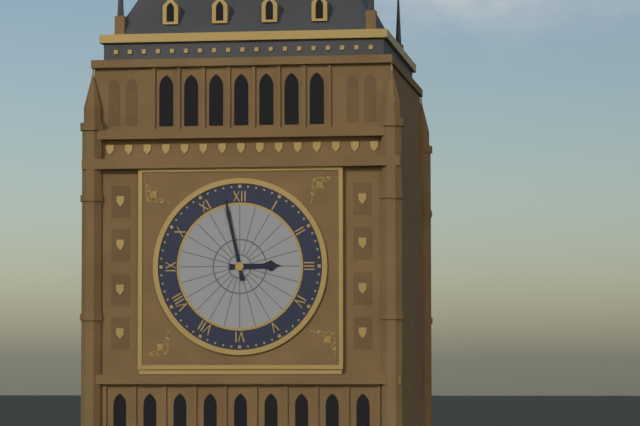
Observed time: 2:58
